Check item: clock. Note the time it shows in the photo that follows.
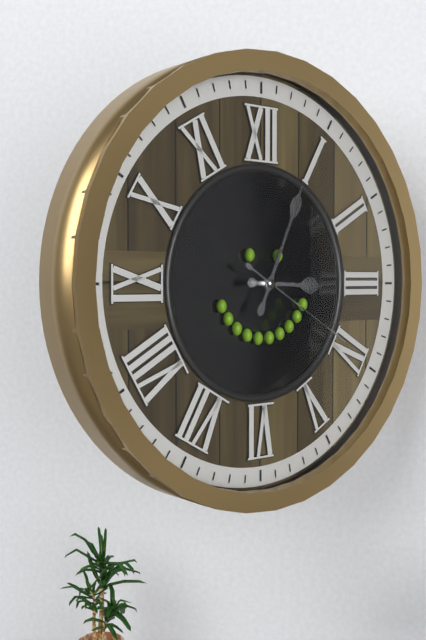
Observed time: 3:04:20
